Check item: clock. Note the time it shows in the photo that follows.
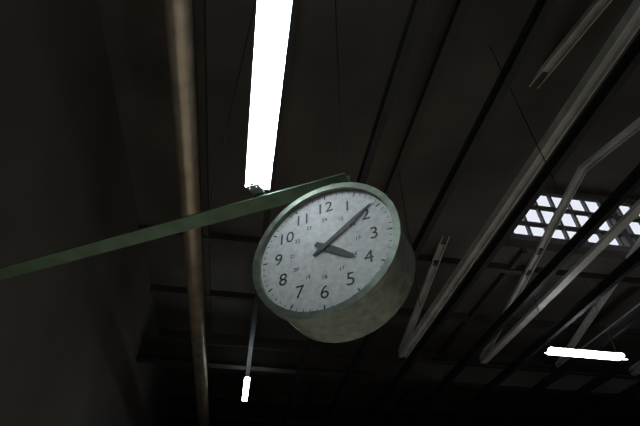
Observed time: 4:09
